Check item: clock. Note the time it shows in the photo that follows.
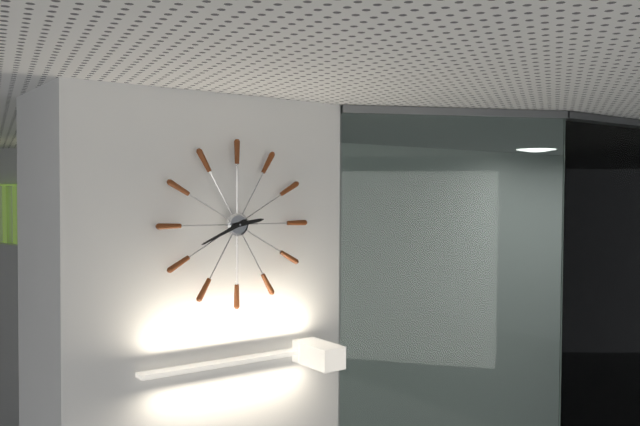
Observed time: 2:41
